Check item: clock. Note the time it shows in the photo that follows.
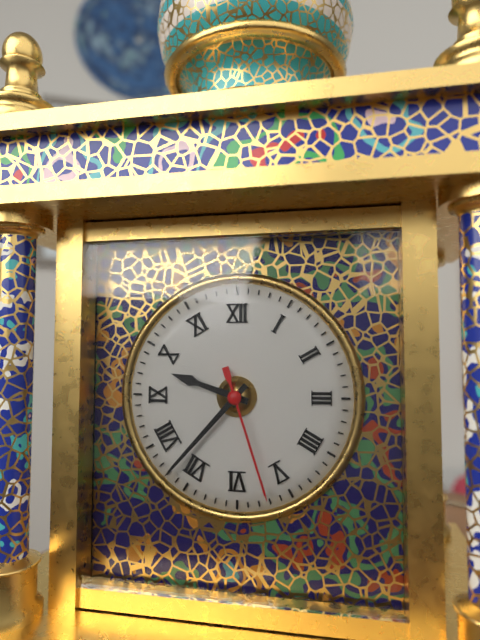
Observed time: 9:37:27
